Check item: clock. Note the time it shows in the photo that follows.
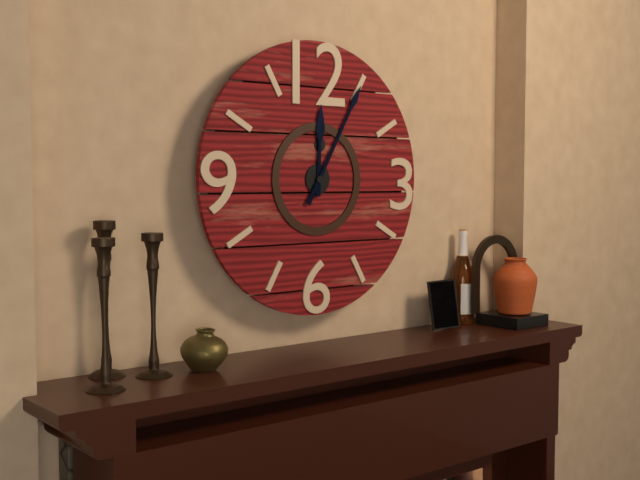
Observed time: 12:05
